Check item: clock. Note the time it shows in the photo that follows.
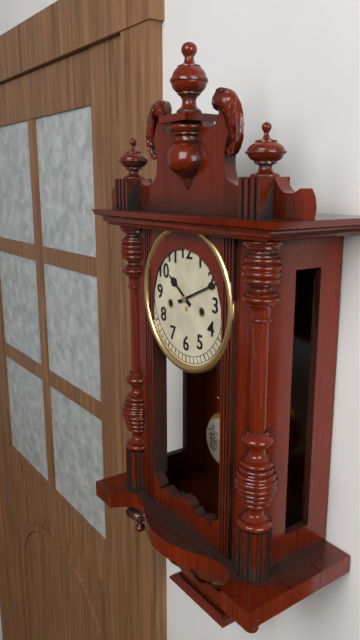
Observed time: 10:11
